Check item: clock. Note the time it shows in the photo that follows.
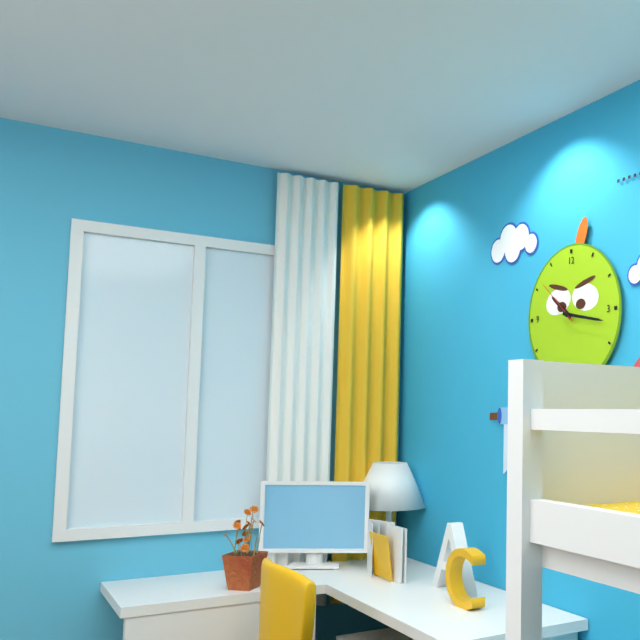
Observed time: 10:17:52
